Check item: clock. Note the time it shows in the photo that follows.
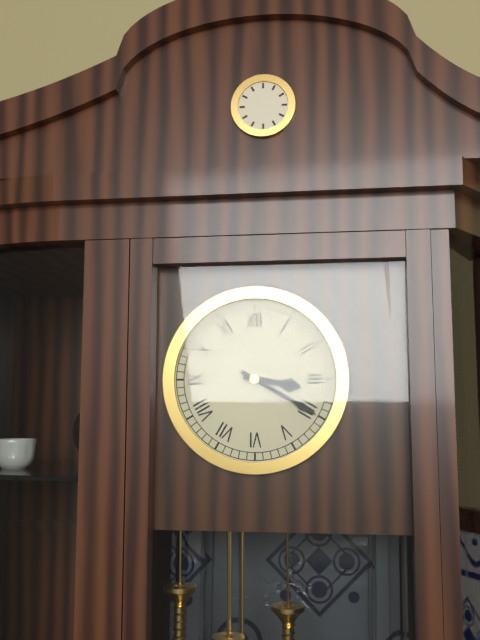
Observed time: 3:20
